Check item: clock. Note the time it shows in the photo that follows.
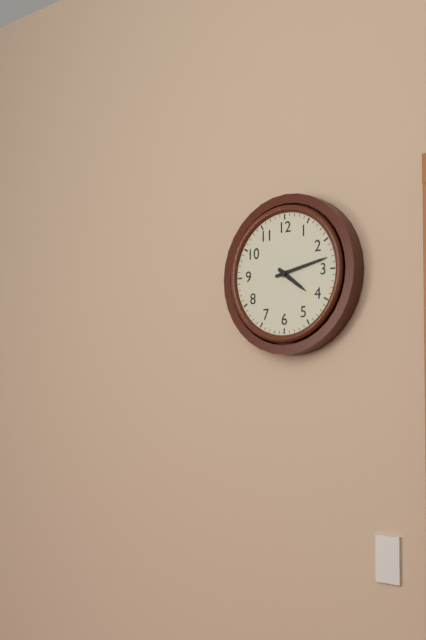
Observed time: 4:13
